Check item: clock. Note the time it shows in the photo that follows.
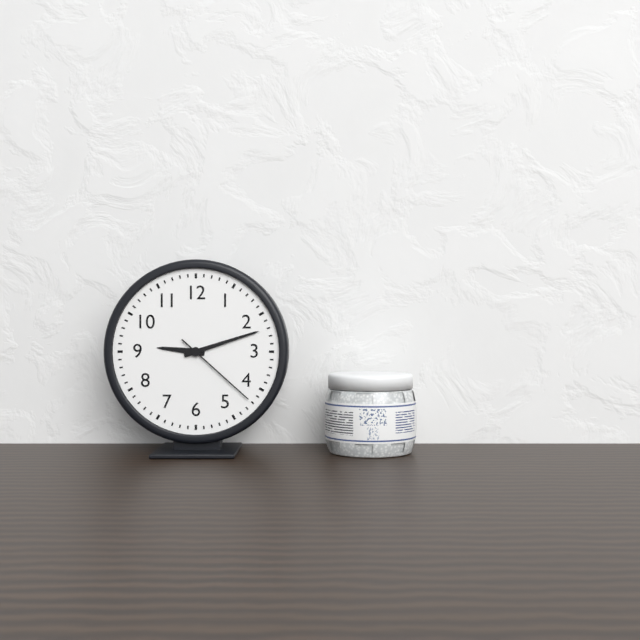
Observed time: 9:12:22
